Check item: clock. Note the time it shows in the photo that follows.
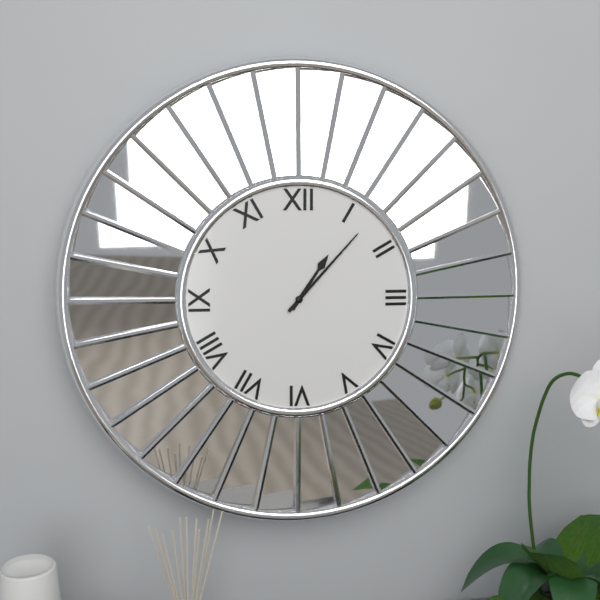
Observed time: 1:07
